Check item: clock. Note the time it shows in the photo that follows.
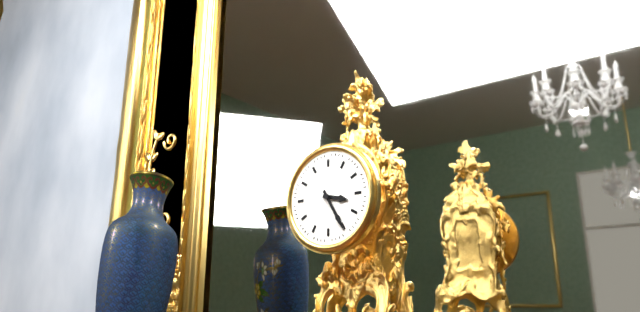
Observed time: 3:25
